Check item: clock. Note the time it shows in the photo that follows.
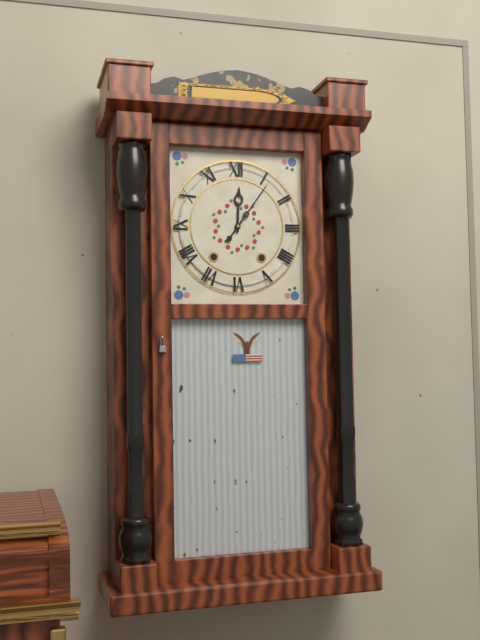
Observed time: 12:06
